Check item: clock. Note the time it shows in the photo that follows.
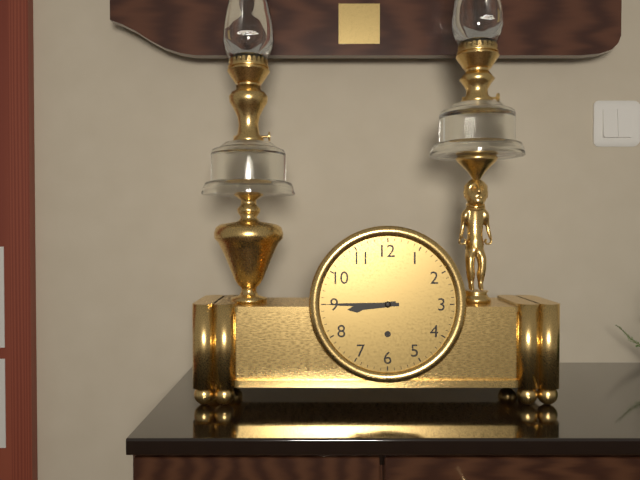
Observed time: 8:45
